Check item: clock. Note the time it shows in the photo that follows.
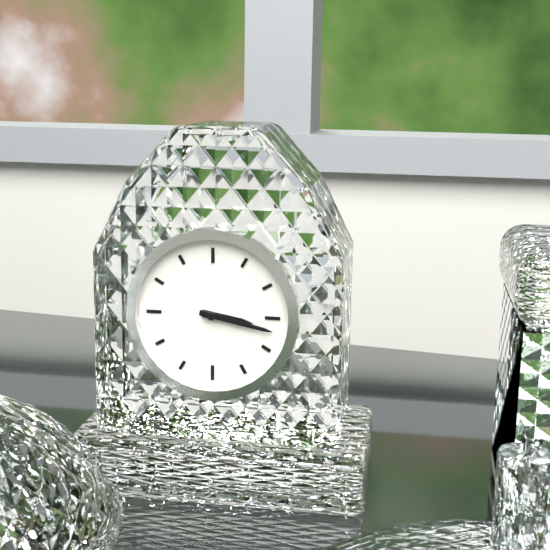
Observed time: 3:17
